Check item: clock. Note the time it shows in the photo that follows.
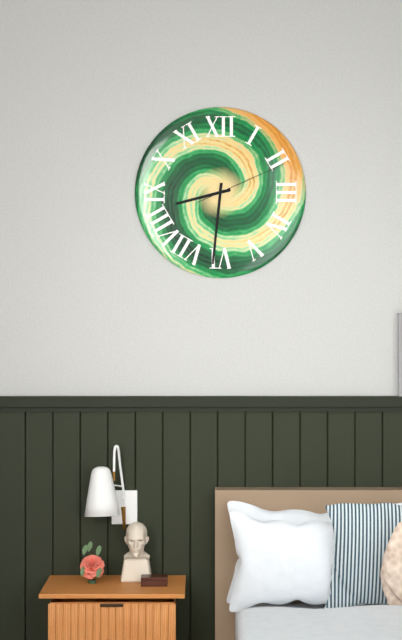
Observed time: 8:31:11
